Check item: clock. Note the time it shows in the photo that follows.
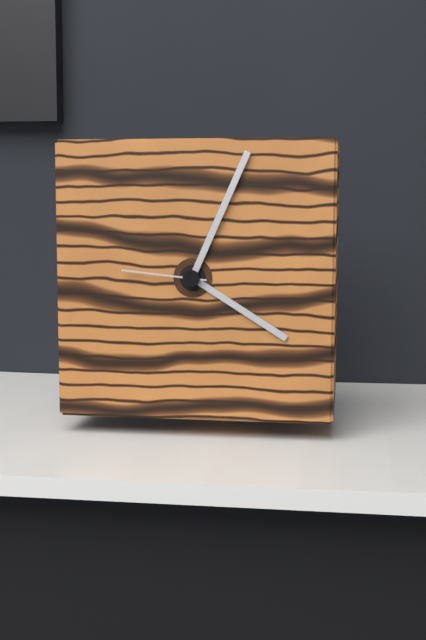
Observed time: 4:04:46
